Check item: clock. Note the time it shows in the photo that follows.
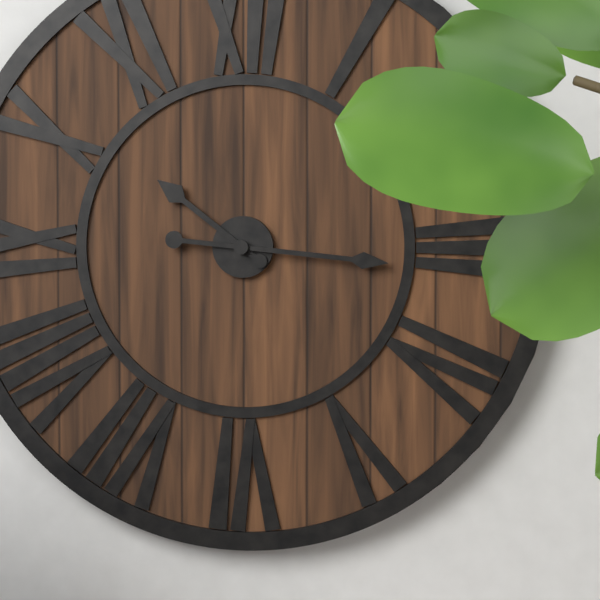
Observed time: 10:16
